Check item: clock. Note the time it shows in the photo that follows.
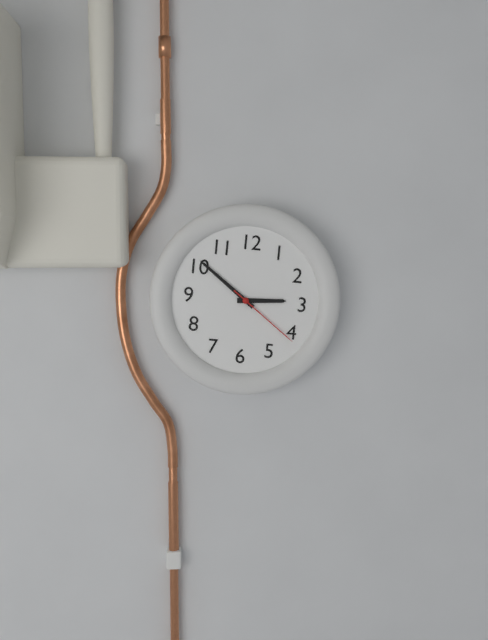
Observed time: 2:51:21
